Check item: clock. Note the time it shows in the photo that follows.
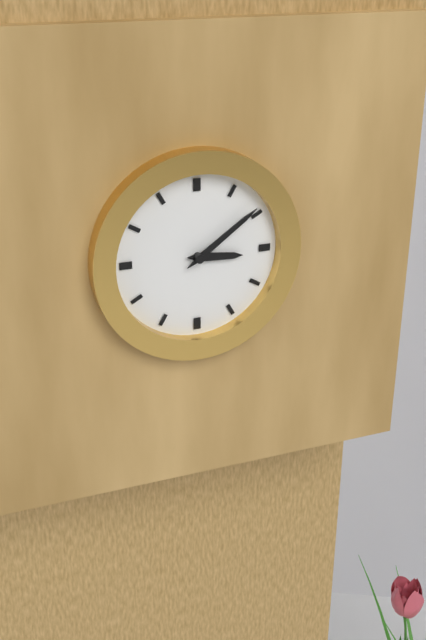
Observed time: 3:09
